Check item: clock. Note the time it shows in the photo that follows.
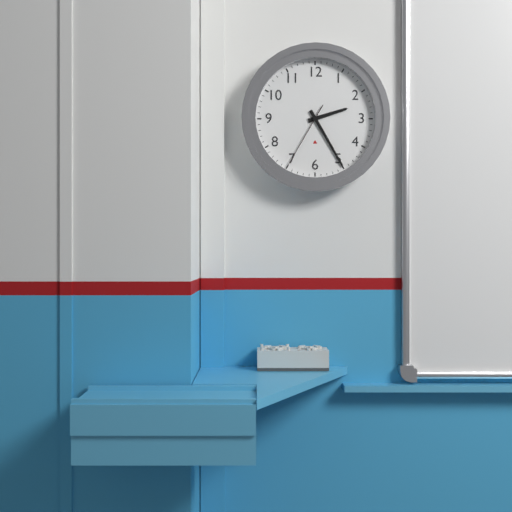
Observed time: 2:25:35
